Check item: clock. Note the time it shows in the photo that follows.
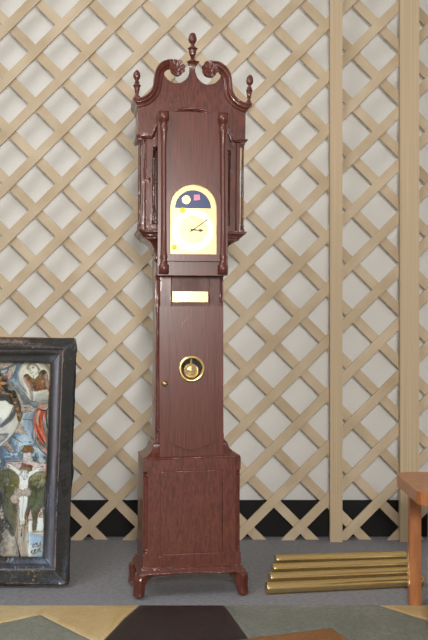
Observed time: 3:09
